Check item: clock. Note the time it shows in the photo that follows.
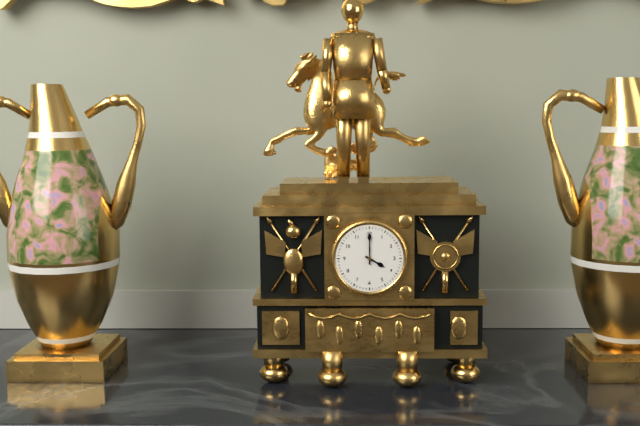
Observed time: 4:00
